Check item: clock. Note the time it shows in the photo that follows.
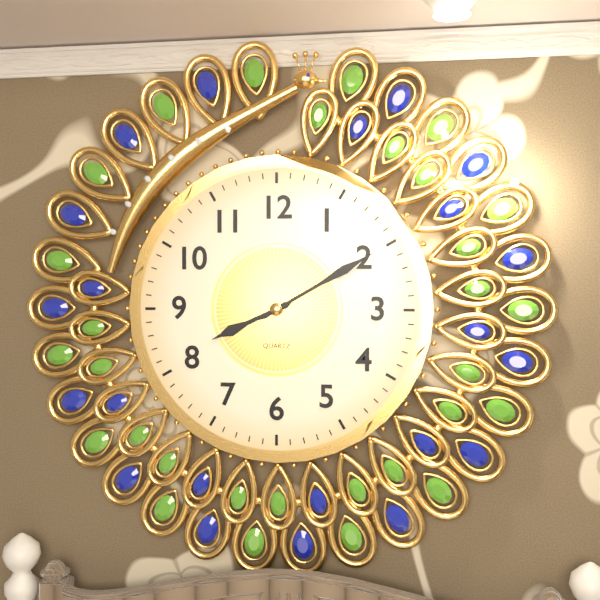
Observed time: 8:10
